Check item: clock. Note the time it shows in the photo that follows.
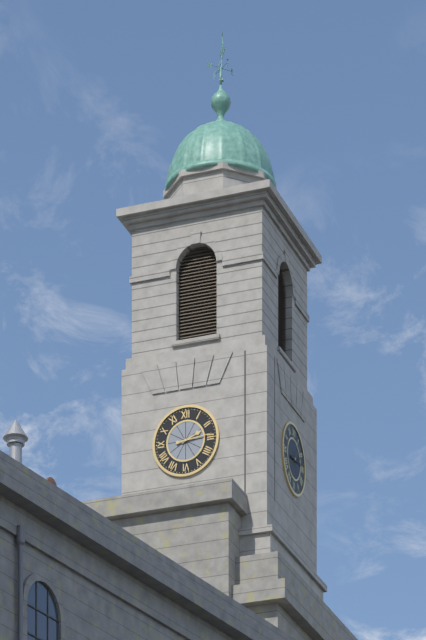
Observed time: 2:14
